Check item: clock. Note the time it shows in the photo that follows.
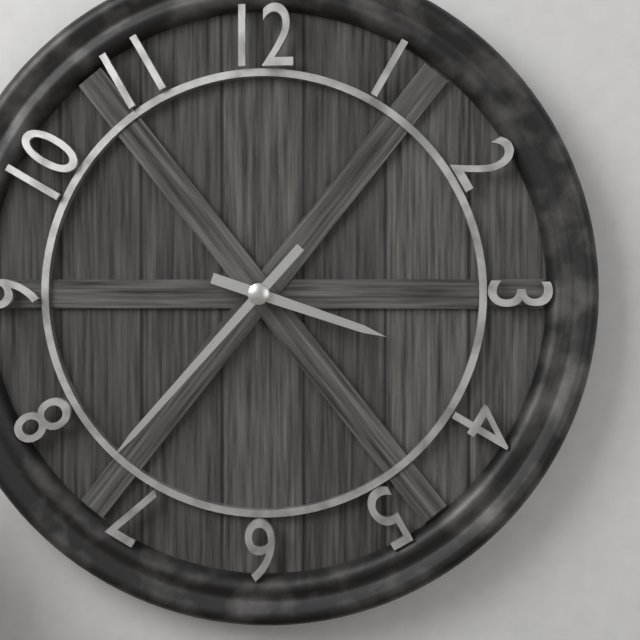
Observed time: 3:37
